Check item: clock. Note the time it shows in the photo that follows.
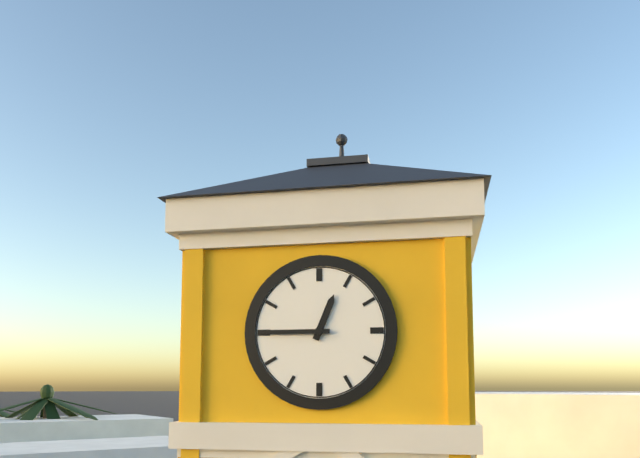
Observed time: 12:45
